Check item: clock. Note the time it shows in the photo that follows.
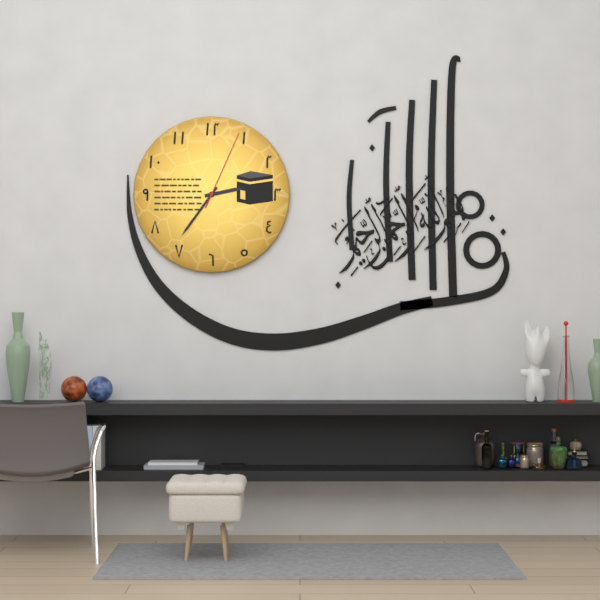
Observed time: 2:36:04
